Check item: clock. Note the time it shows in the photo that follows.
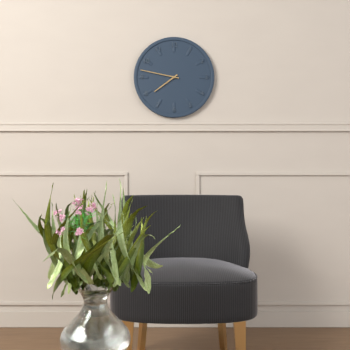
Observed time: 7:47
